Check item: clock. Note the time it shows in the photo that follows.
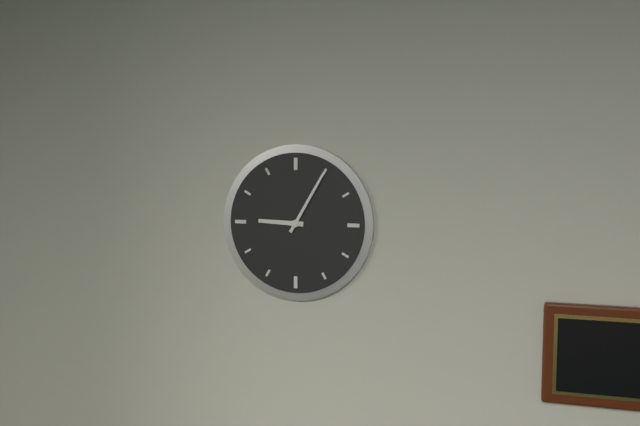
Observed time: 9:05
